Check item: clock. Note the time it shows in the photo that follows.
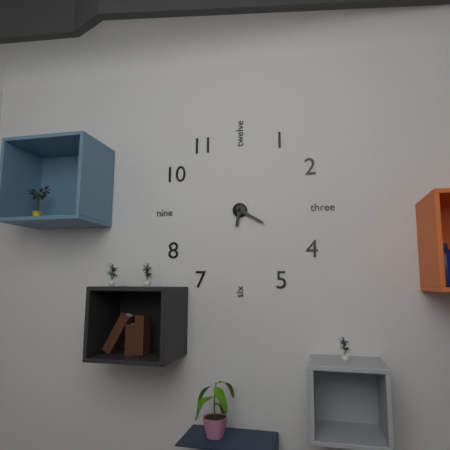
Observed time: 6:20
